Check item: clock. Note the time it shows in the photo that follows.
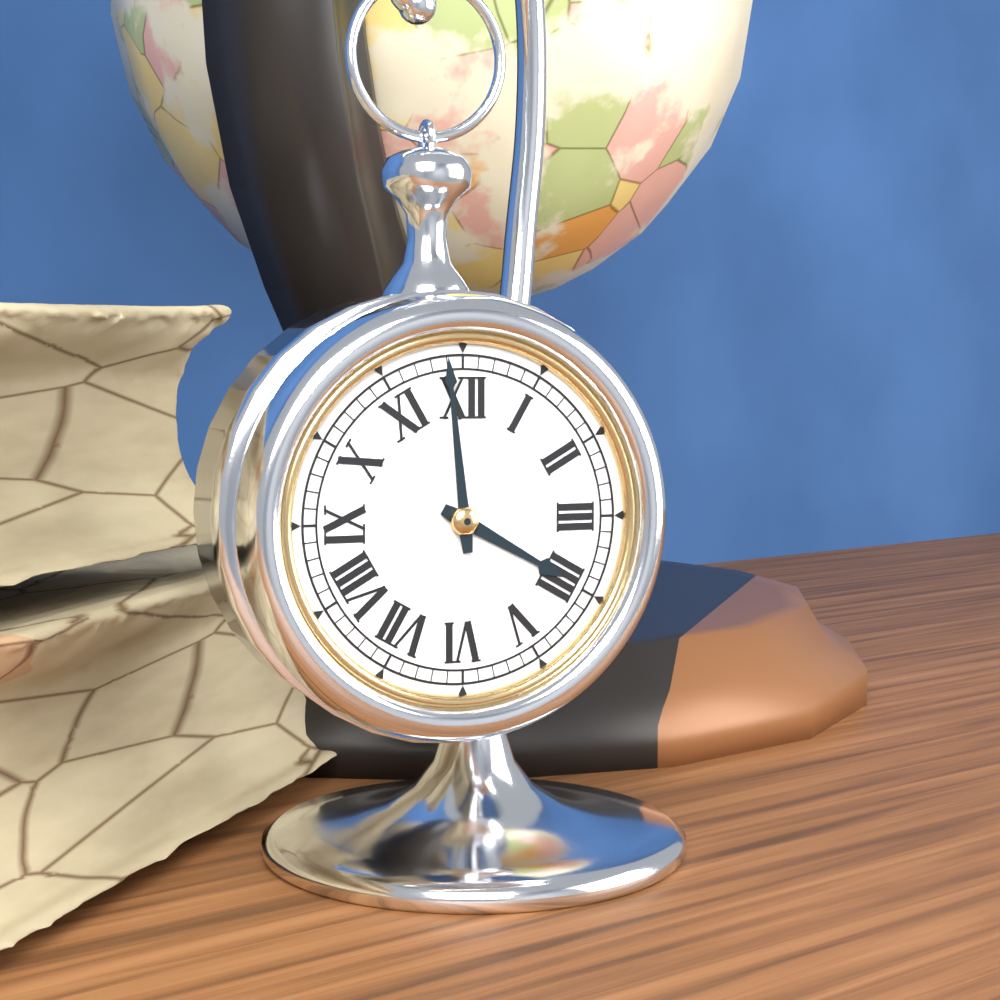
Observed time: 3:59
